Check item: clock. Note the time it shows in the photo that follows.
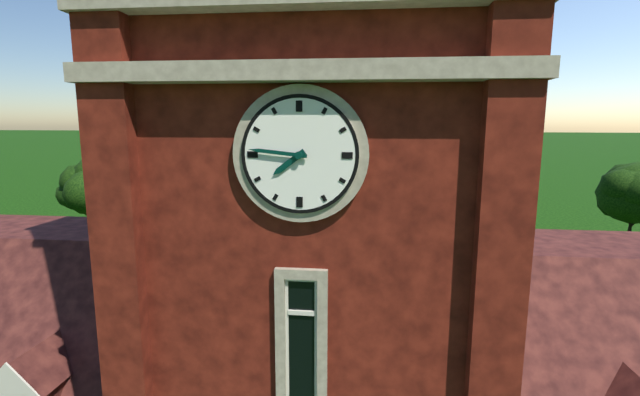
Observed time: 7:46
